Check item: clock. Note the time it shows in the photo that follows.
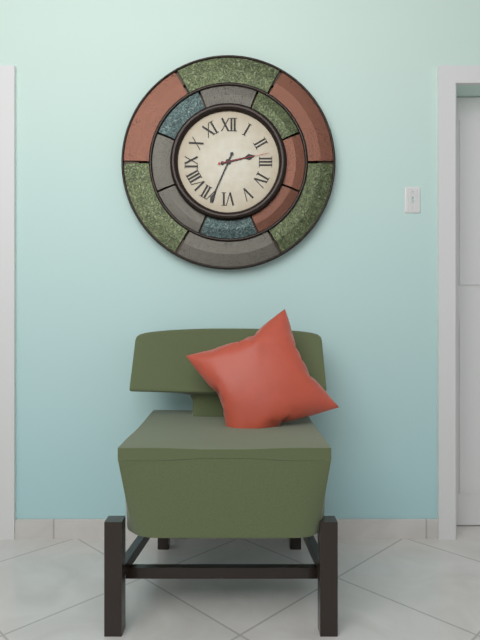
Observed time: 2:34:13
